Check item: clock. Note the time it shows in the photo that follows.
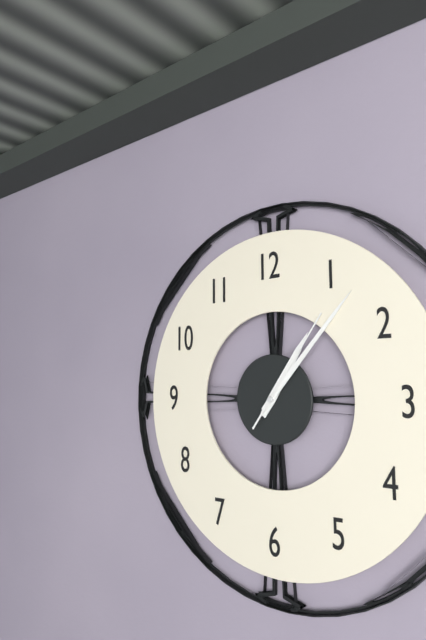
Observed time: 1:07:06
